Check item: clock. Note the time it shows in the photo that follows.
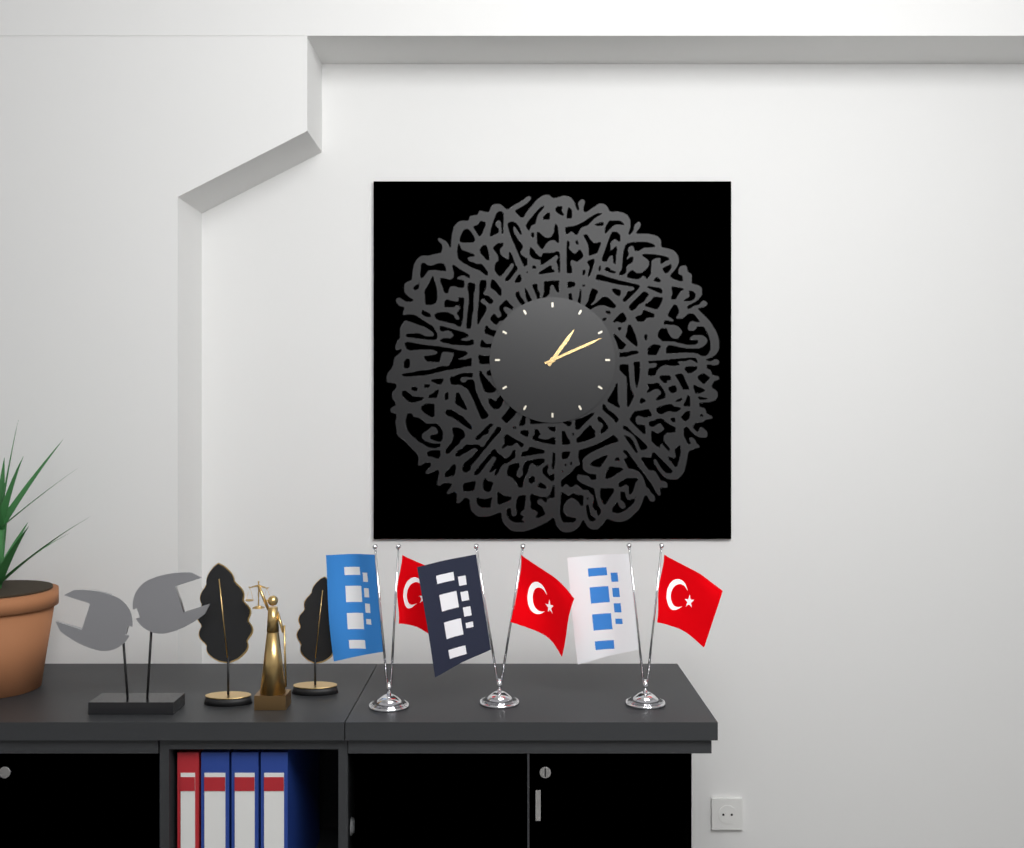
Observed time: 1:11
